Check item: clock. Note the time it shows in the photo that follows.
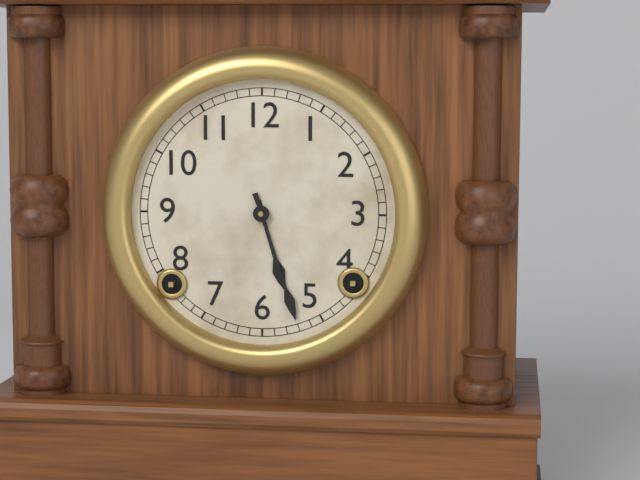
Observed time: 5:27
